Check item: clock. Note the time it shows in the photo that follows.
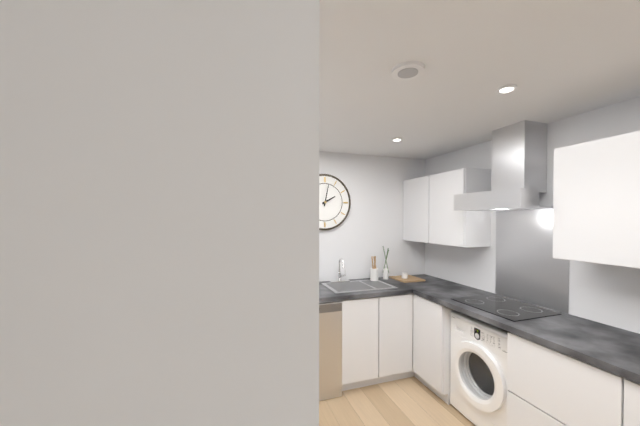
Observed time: 2:02
